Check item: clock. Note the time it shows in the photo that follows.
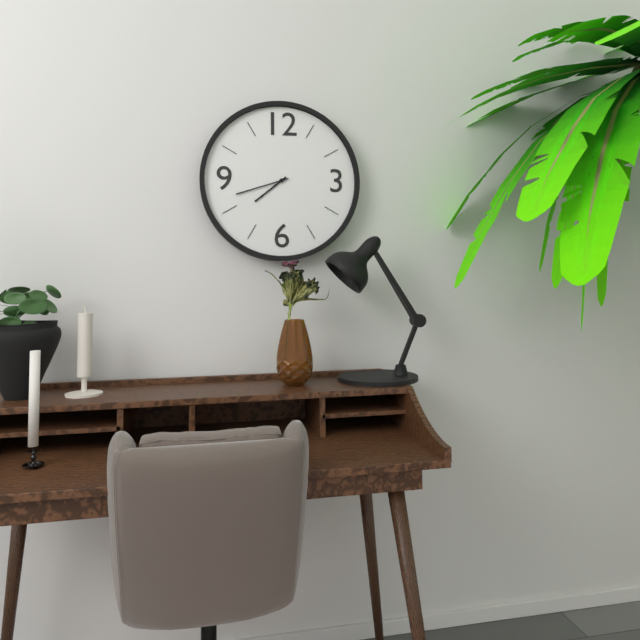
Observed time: 7:42
